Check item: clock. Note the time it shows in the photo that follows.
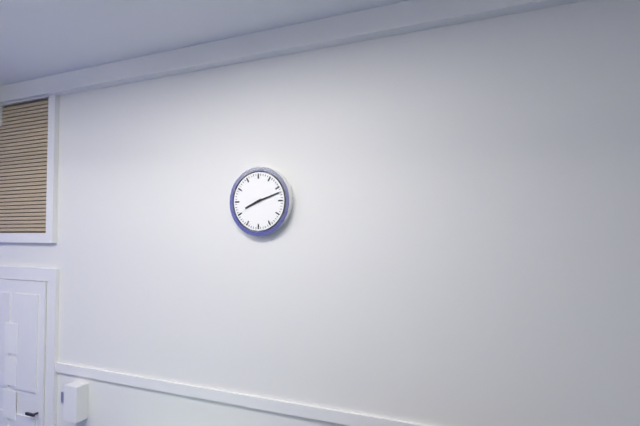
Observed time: 8:12
